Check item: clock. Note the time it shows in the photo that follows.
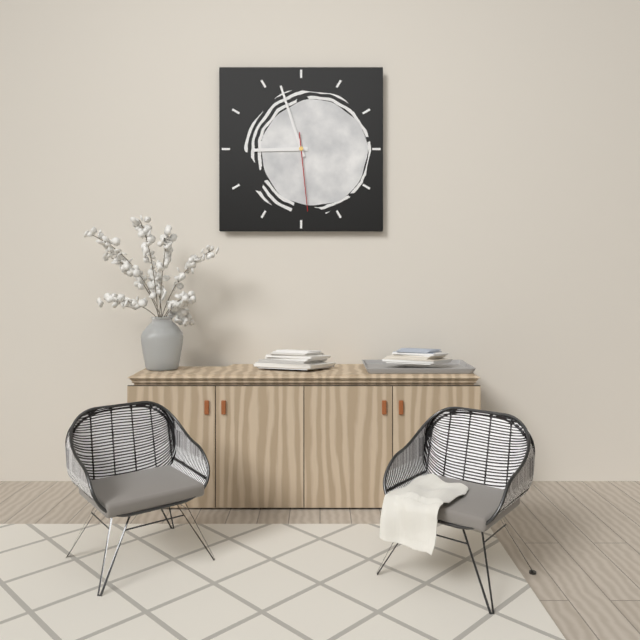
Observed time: 8:57:29
